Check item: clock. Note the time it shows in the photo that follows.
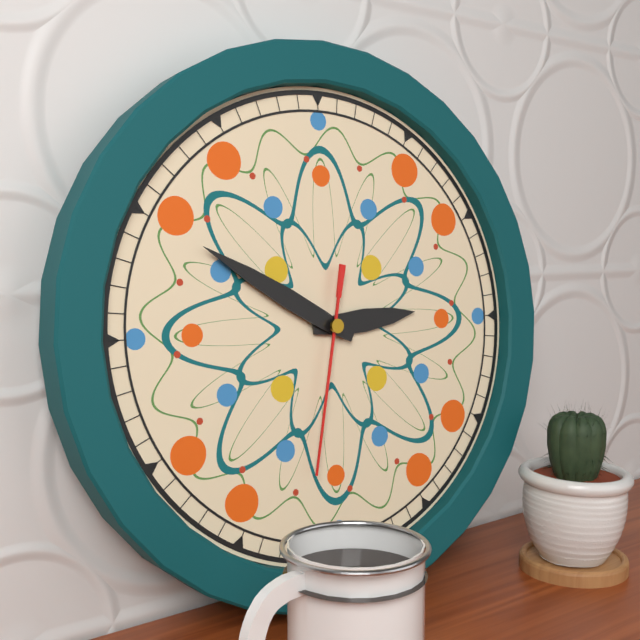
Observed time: 2:50:32
